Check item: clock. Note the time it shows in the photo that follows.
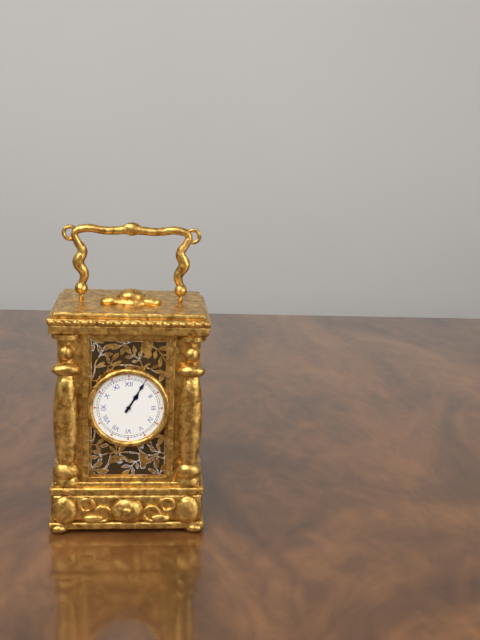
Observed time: 1:05
